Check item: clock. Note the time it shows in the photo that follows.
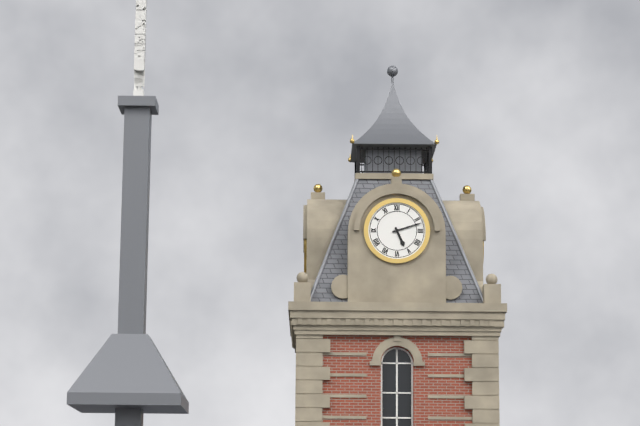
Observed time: 5:12
